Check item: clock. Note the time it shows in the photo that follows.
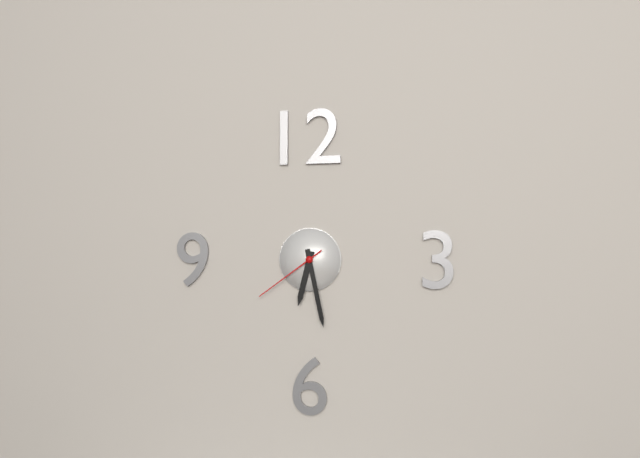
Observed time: 6:28:39
